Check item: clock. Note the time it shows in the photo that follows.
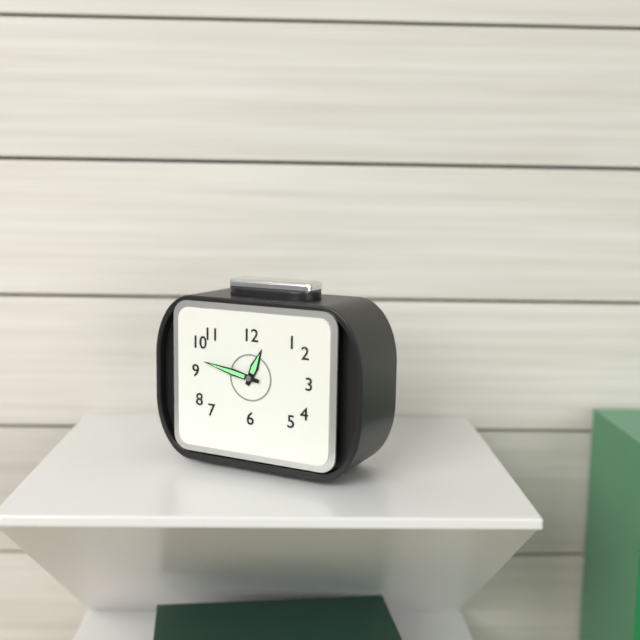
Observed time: 12:47
